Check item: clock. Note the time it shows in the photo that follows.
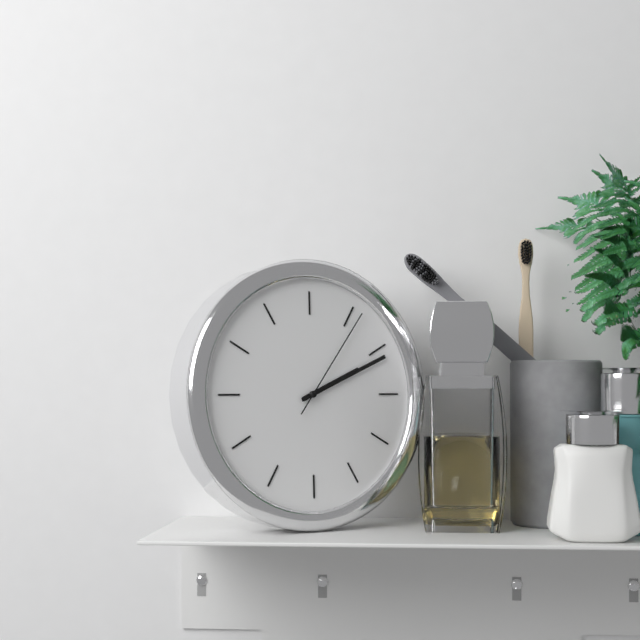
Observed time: 2:11:06
